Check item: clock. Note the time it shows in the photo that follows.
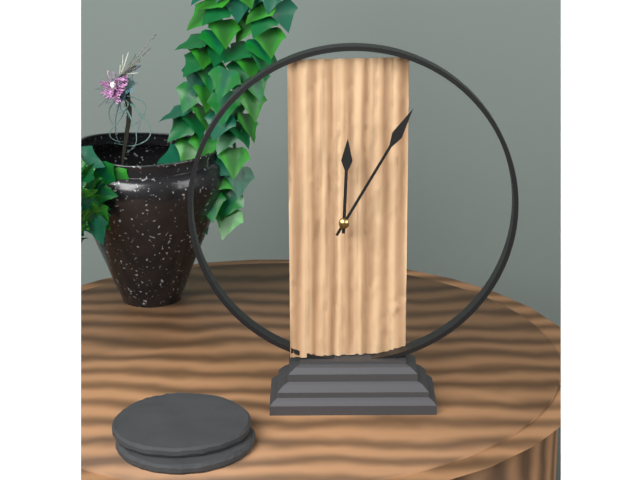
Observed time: 12:05
